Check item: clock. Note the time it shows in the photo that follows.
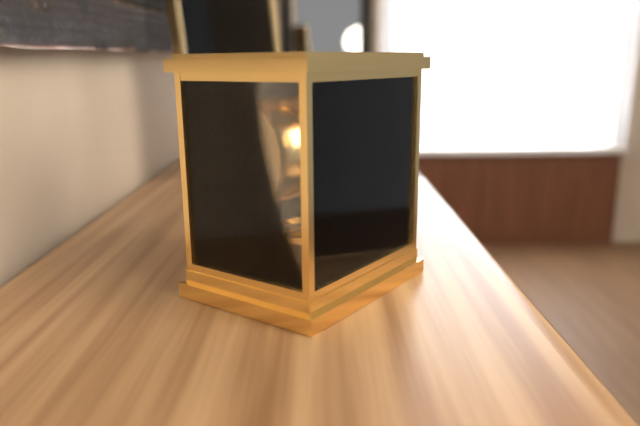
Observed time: 4:02
